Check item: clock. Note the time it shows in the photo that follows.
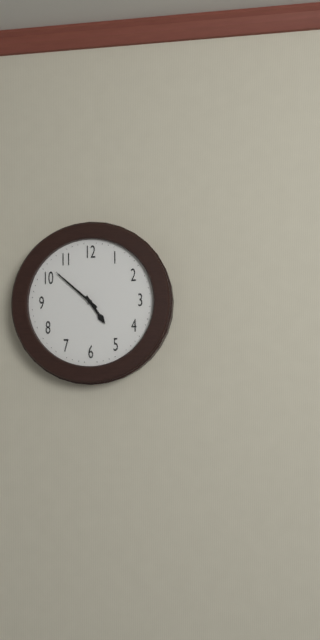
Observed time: 4:52
